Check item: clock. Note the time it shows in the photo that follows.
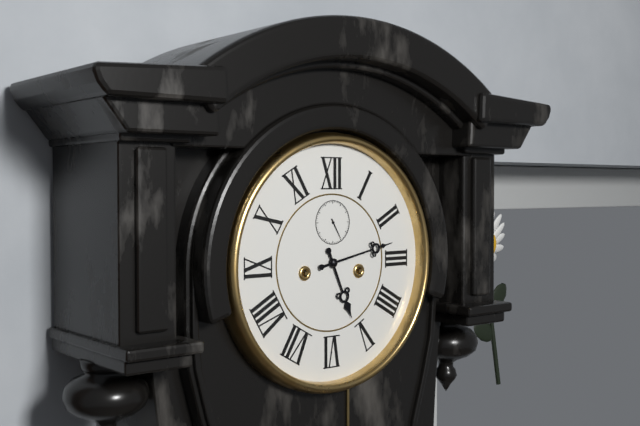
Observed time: 5:13
